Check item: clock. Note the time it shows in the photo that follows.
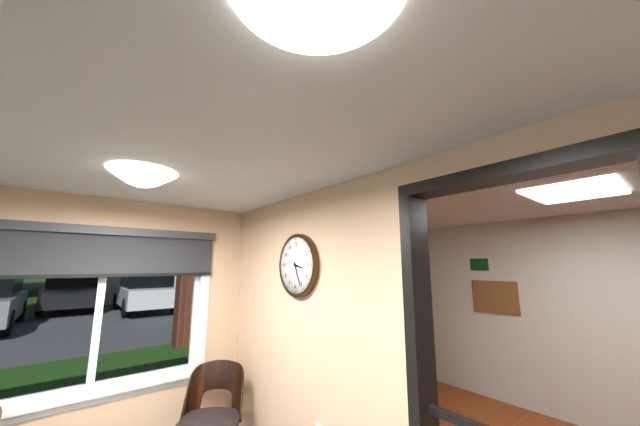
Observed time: 3:26
